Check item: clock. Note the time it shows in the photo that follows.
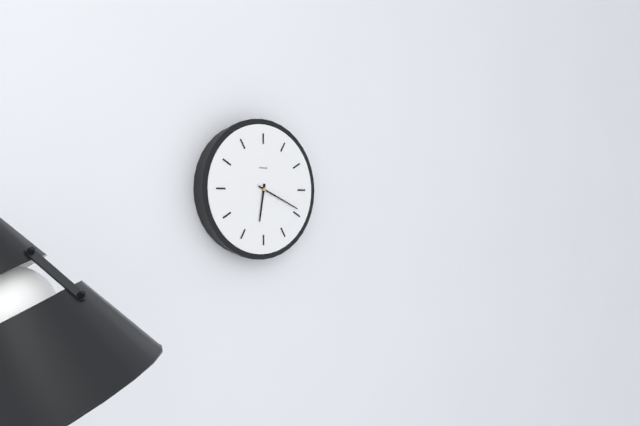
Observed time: 6:19
